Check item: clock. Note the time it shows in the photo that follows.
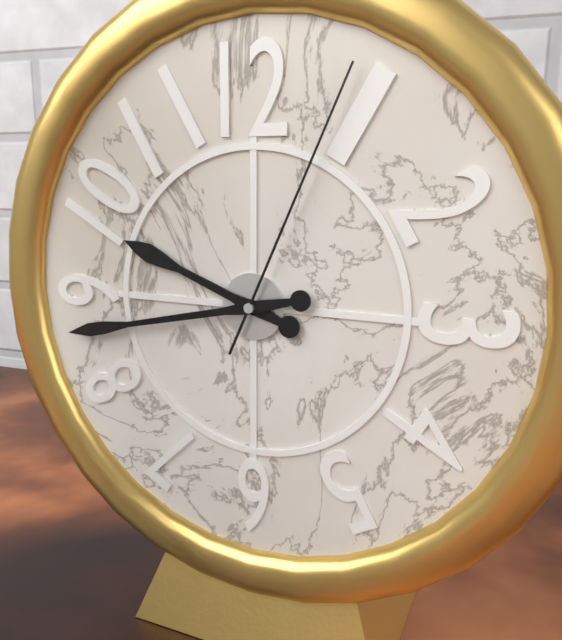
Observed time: 9:43:04
